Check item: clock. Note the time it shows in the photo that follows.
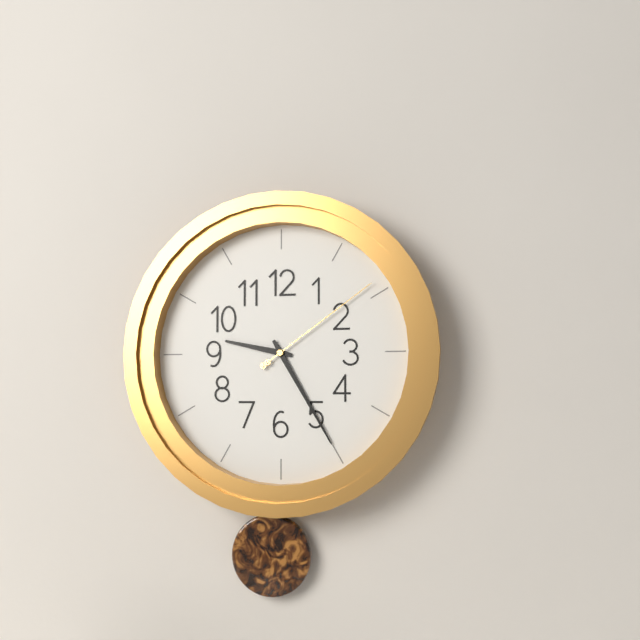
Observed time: 9:25:09
